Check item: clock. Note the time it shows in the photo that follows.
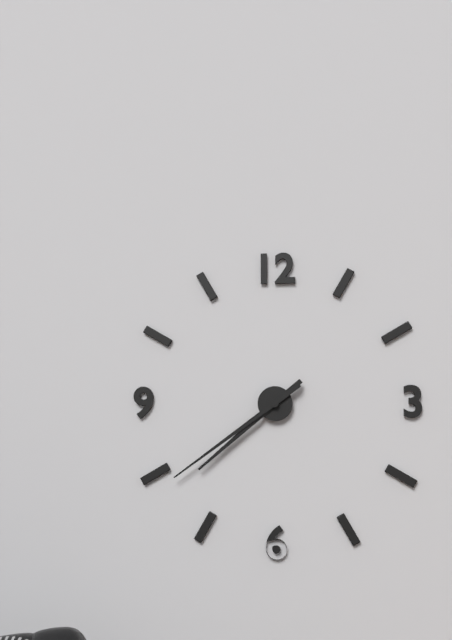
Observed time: 7:39
